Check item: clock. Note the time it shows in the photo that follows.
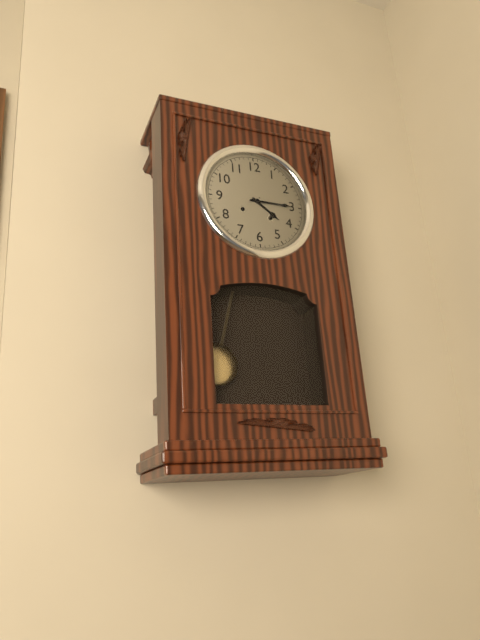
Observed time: 4:15
